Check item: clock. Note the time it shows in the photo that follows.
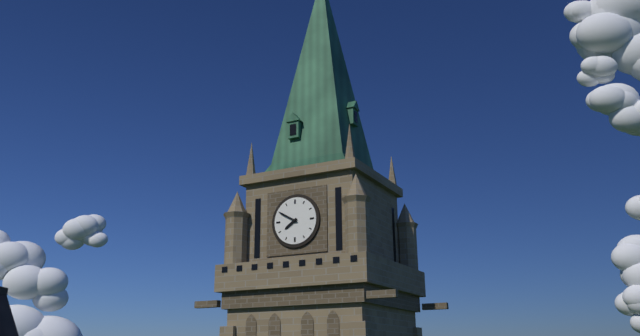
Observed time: 7:50
